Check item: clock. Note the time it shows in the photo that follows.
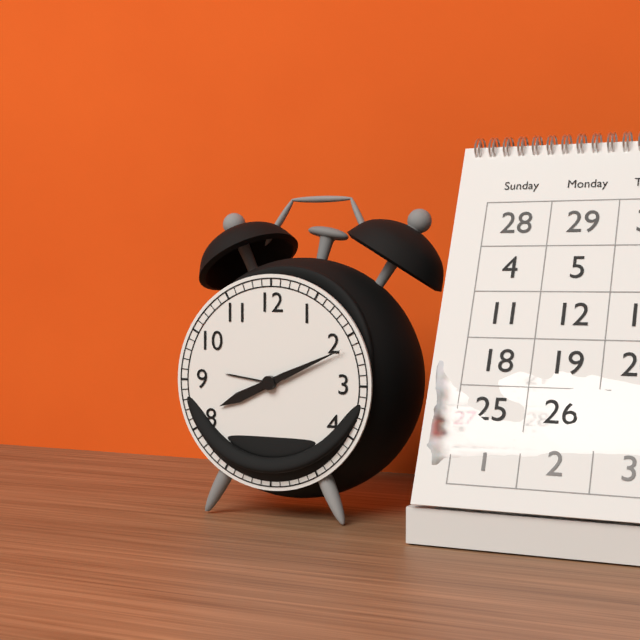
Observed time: 8:11
